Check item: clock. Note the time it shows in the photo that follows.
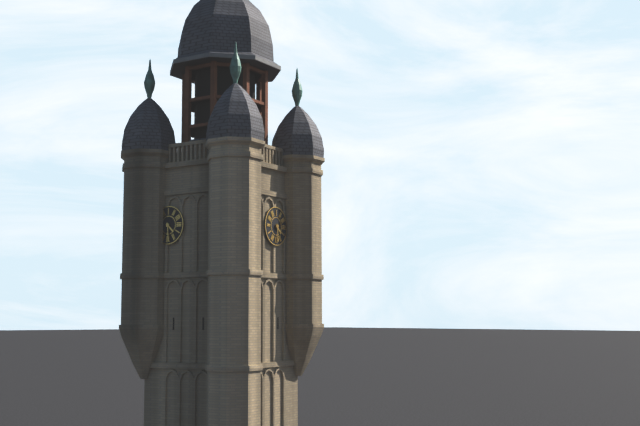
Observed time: 4:29
